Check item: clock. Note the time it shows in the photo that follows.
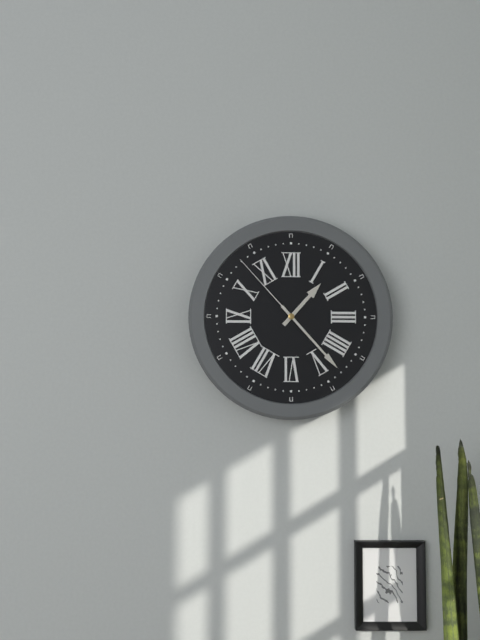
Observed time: 1:23:53
